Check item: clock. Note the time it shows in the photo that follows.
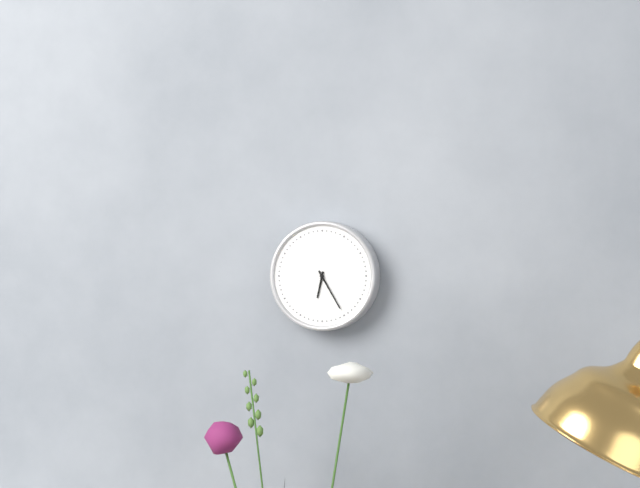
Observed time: 6:25
